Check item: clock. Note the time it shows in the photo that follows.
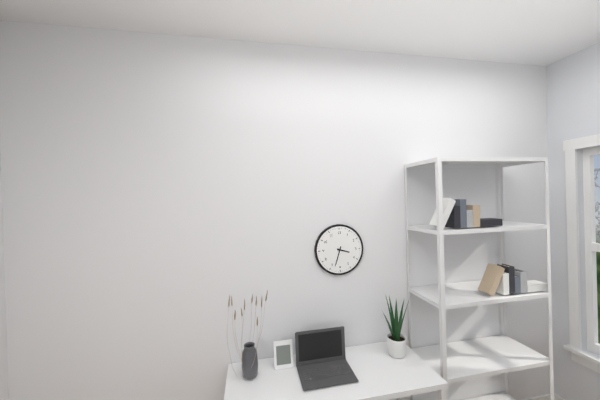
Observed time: 3:33
